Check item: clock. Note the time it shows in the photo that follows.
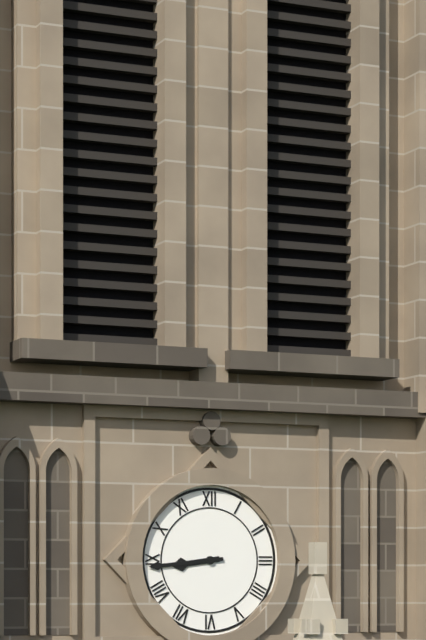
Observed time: 8:44
